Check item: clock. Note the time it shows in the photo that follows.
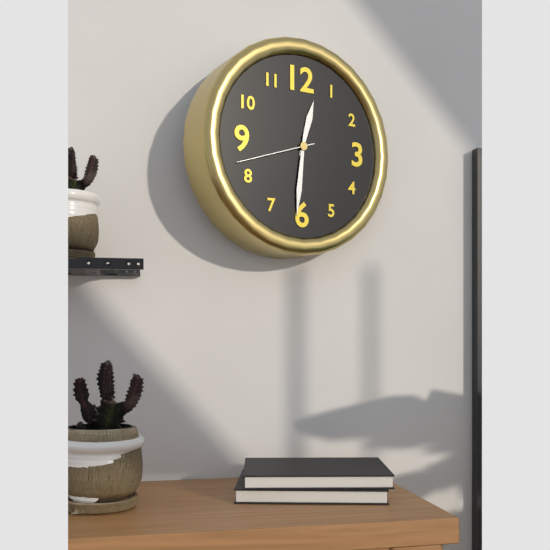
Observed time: 12:31:42
